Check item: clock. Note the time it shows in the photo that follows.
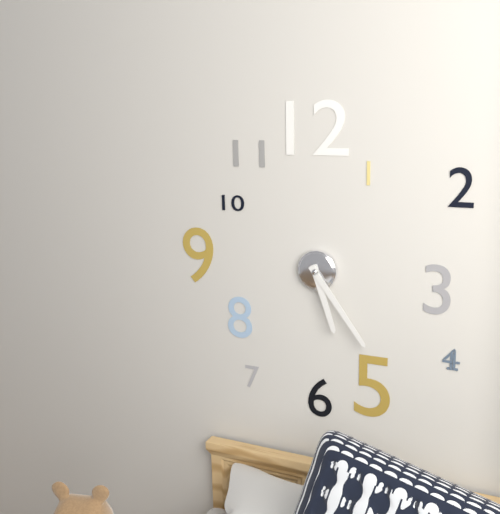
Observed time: 5:24
